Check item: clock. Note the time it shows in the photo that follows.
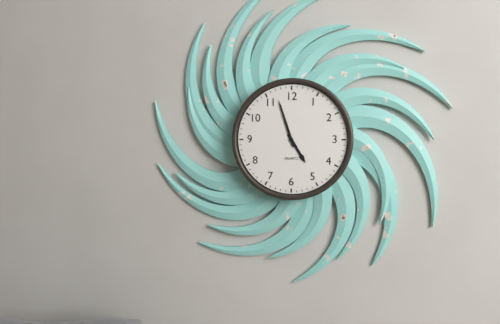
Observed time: 4:57
